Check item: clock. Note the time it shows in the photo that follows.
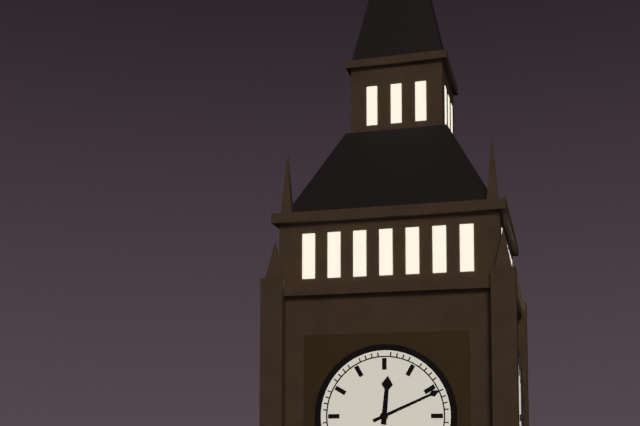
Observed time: 12:11
